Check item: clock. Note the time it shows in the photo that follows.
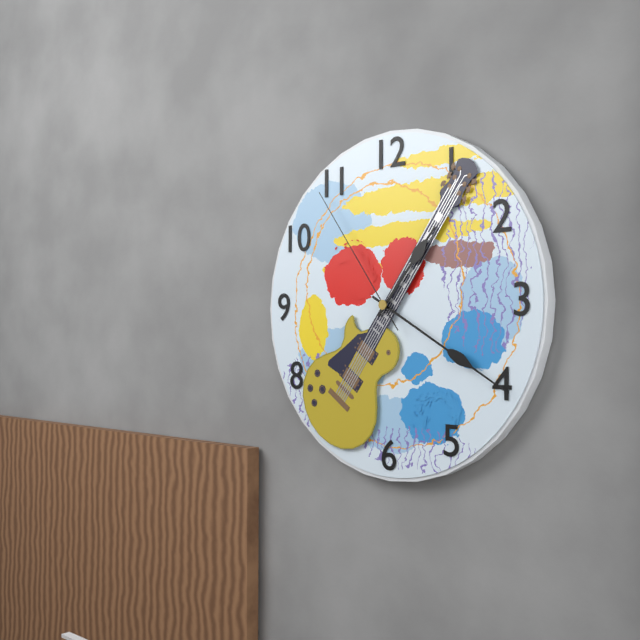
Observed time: 1:20:54
